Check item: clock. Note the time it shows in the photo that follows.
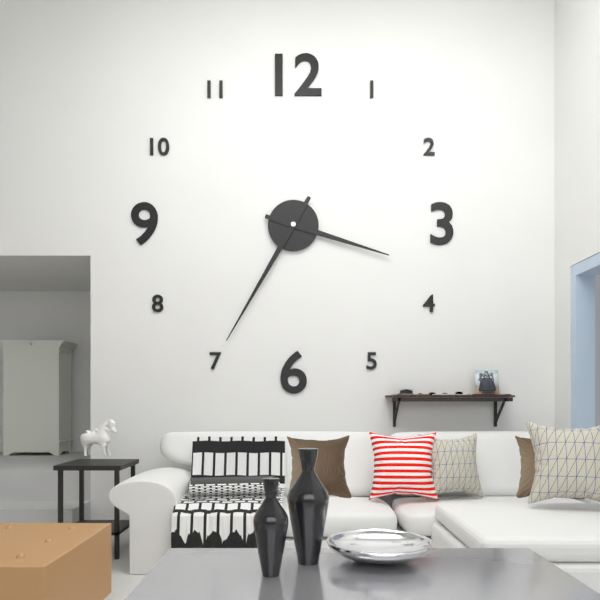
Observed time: 3:35
